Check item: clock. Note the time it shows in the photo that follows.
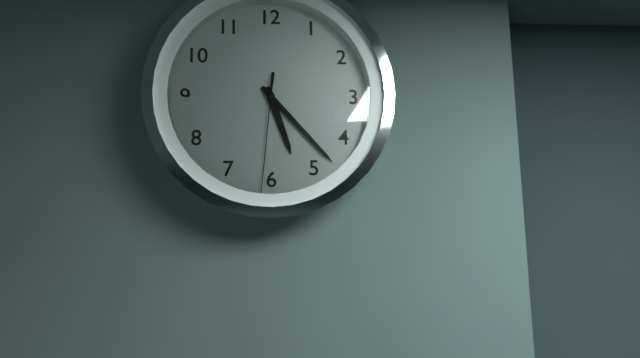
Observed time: 5:23:31
